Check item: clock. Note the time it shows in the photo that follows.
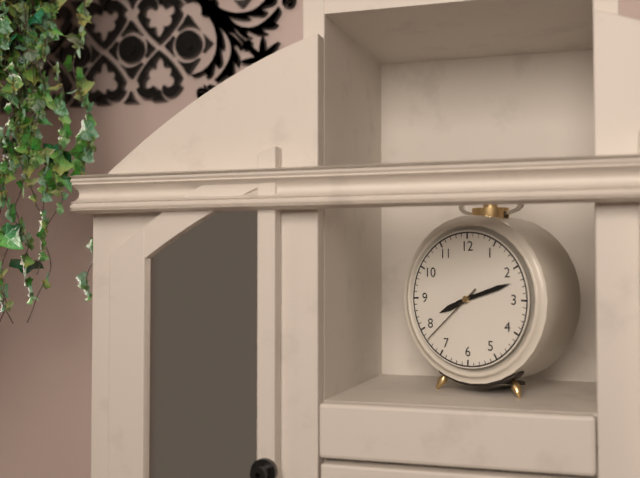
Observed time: 8:12:38
